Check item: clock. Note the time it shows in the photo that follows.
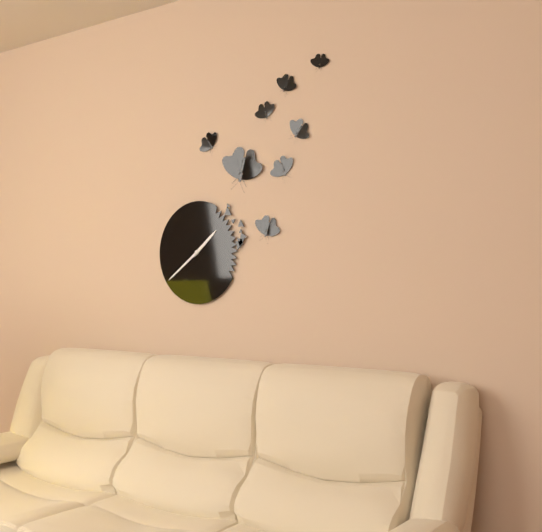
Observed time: 1:39
